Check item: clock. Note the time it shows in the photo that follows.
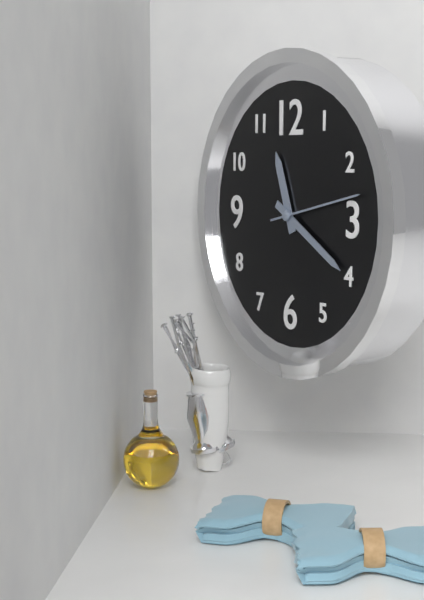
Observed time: 11:20:13
